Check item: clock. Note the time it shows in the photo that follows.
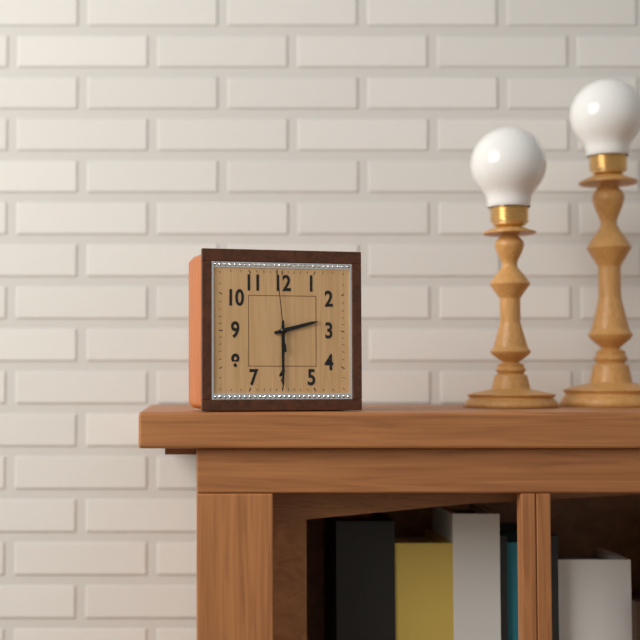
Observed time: 2:30:59
